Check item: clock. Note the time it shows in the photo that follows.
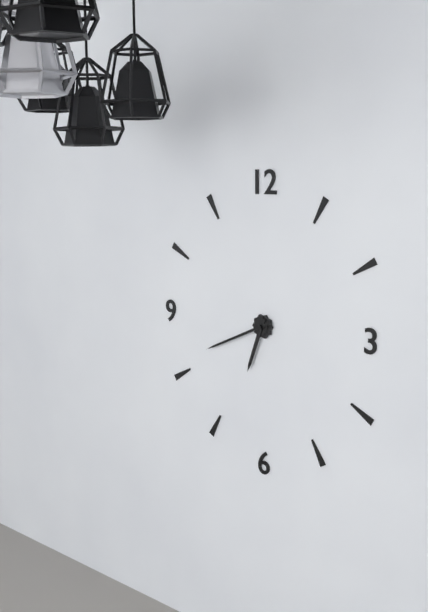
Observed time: 6:41
